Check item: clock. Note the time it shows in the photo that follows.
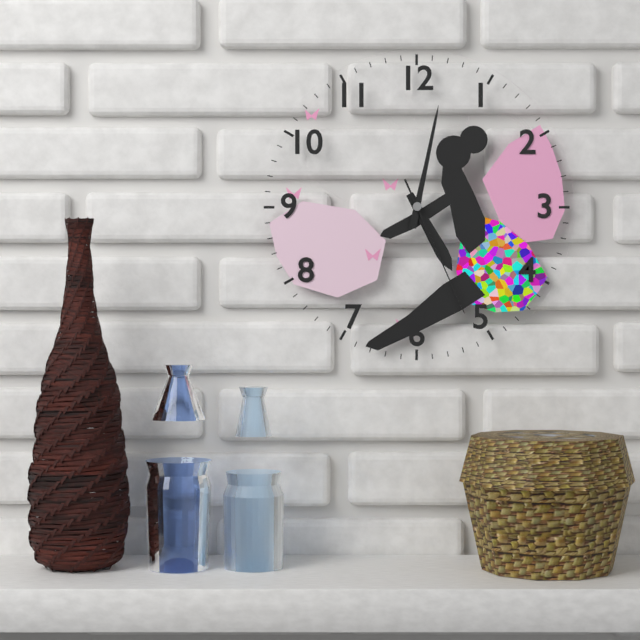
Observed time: 5:02:26
